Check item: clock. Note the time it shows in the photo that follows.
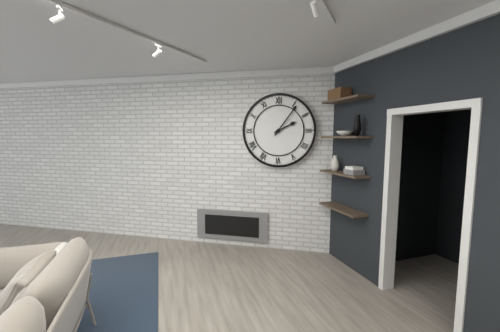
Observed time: 2:06
